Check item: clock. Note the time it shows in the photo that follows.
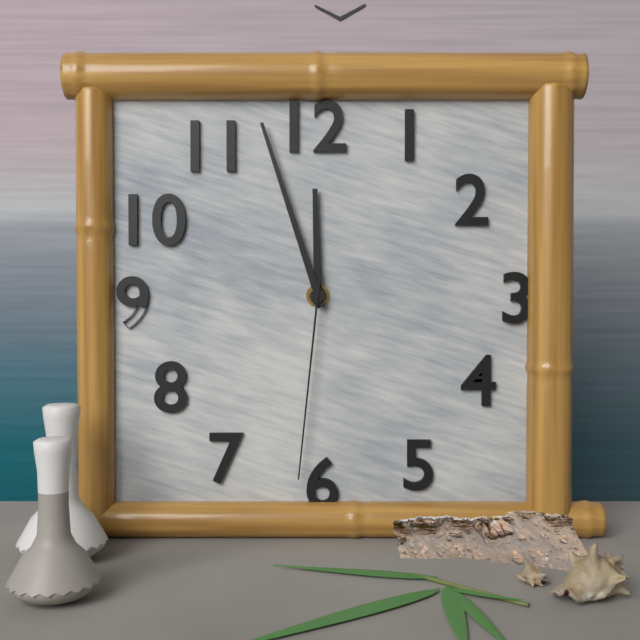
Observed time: 11:57:31
